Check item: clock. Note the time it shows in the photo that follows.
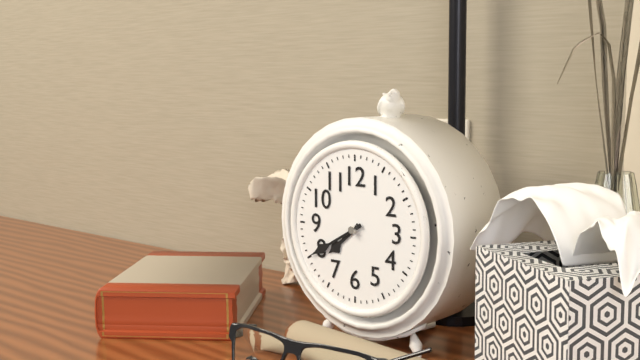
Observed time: 7:40
